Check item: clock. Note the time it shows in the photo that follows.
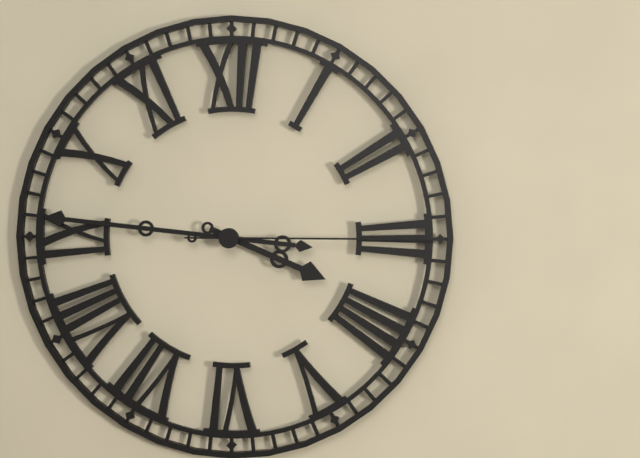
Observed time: 3:46:15
